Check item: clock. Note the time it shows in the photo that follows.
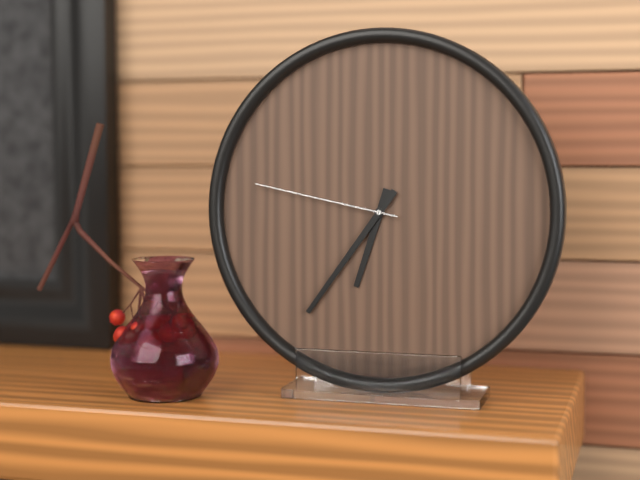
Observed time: 6:36:47
